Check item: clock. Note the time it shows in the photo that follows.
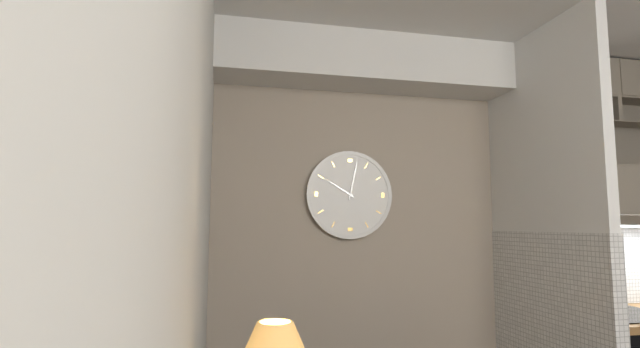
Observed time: 10:02
